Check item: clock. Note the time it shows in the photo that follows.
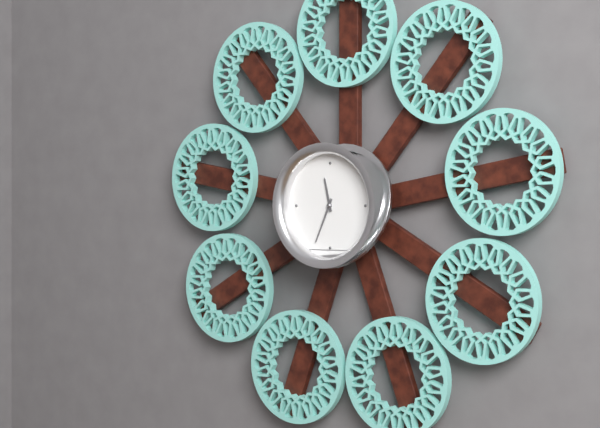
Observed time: 11:34
